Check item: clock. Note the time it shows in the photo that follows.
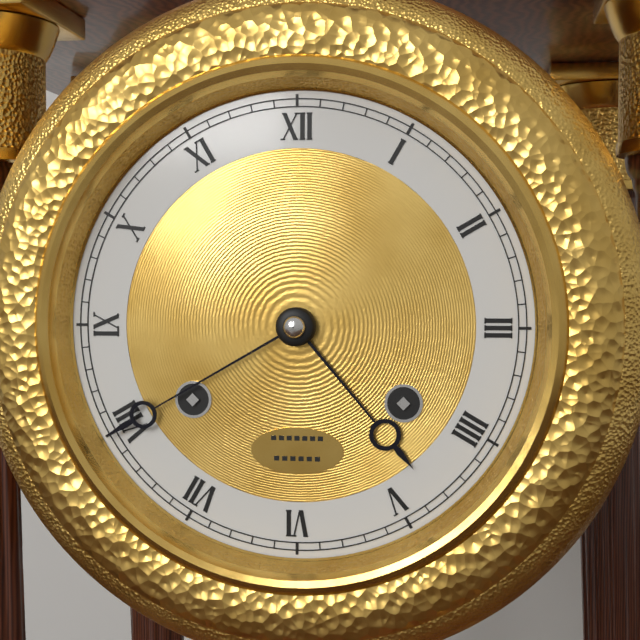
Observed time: 4:40
